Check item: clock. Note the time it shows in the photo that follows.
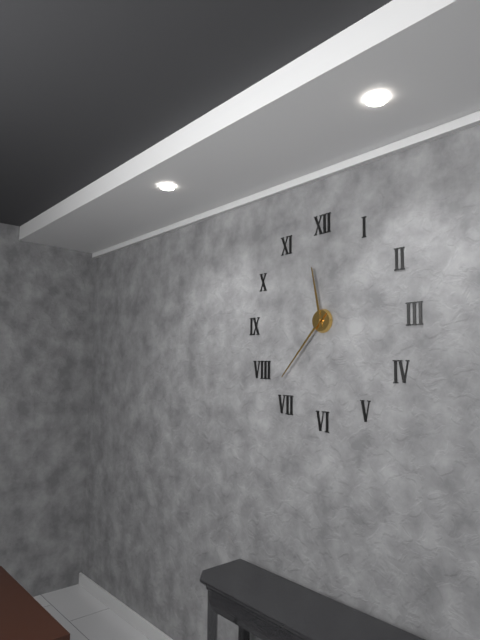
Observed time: 11:37
